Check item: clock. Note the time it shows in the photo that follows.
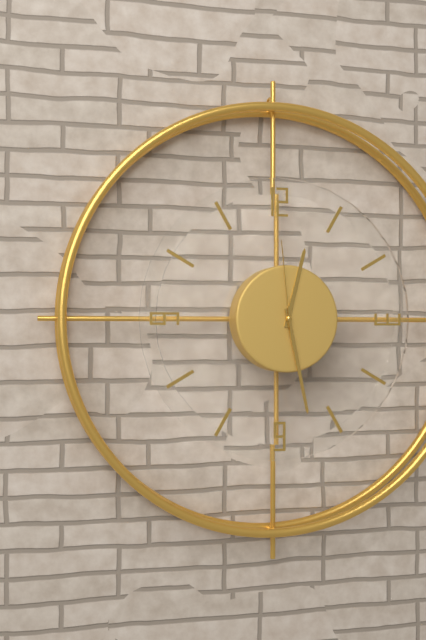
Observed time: 12:28:59
